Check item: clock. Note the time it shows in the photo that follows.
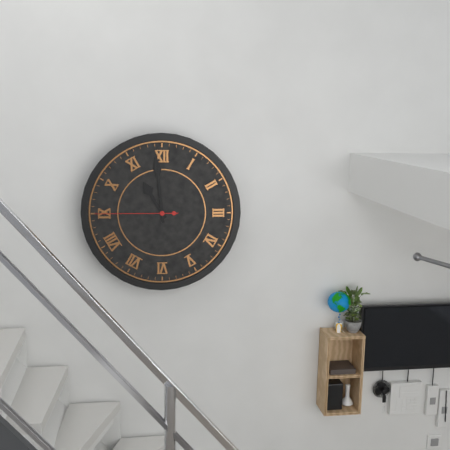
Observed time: 10:59:45
